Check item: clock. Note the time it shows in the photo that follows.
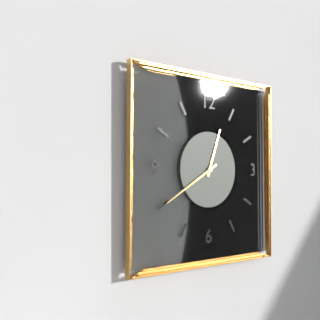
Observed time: 12:40
